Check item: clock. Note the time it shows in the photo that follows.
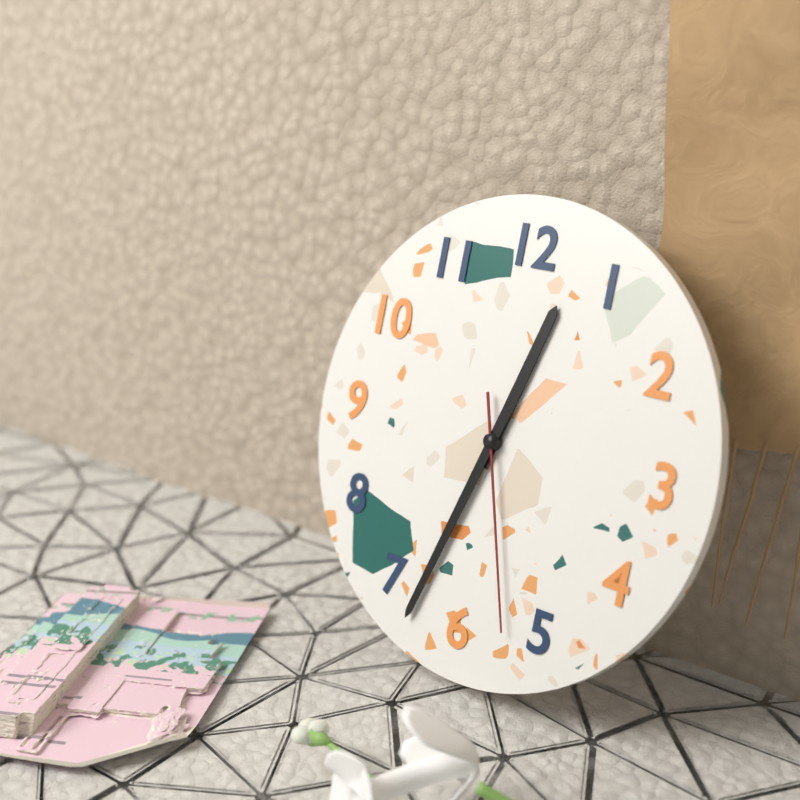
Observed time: 12:33:27
